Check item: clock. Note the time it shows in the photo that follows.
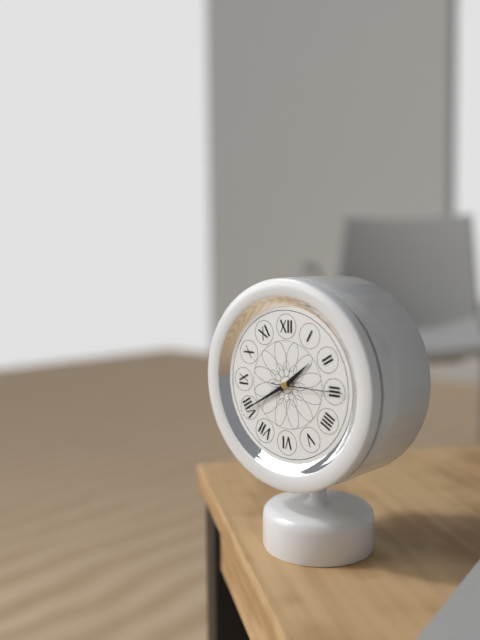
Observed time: 1:40:15
